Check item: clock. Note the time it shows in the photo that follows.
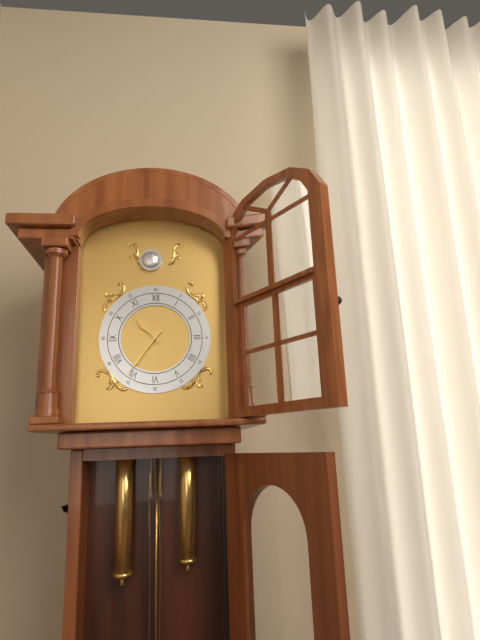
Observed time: 10:36
